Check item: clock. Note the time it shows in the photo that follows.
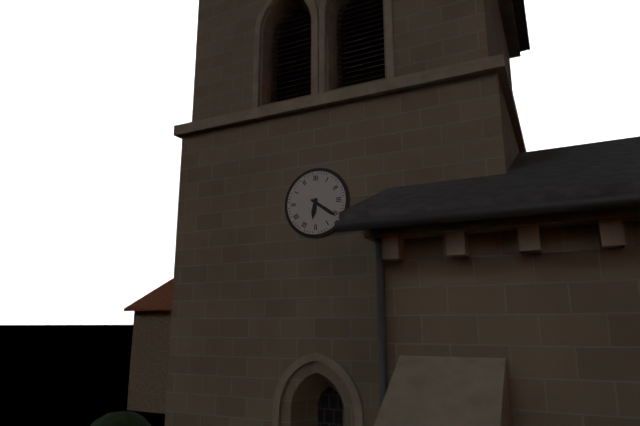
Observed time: 6:21
